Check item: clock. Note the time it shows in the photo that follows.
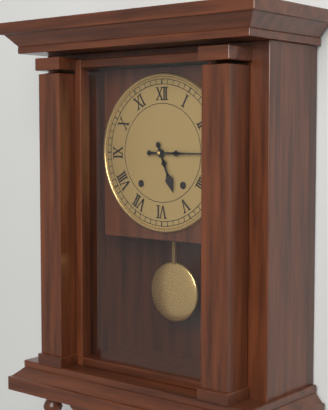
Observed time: 5:15
